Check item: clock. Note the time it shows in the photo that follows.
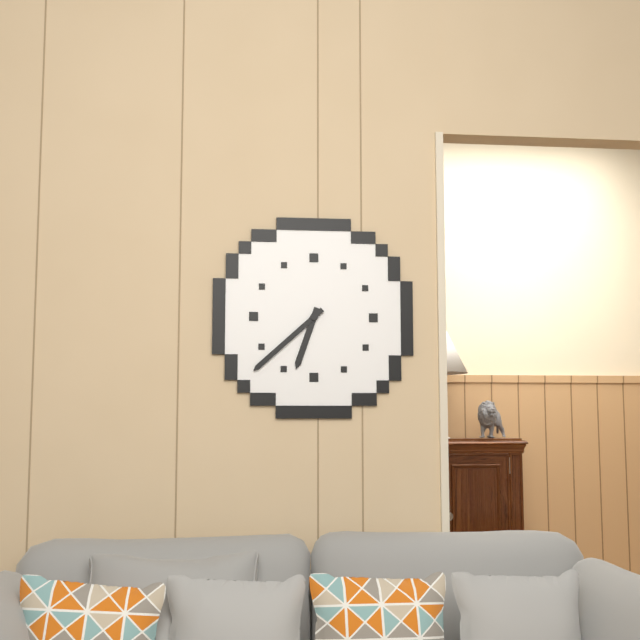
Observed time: 6:38
